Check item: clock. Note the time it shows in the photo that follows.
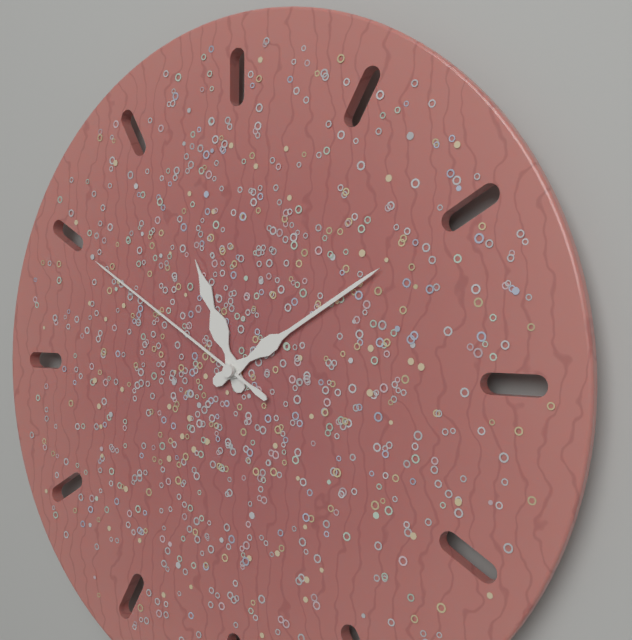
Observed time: 11:10:50
